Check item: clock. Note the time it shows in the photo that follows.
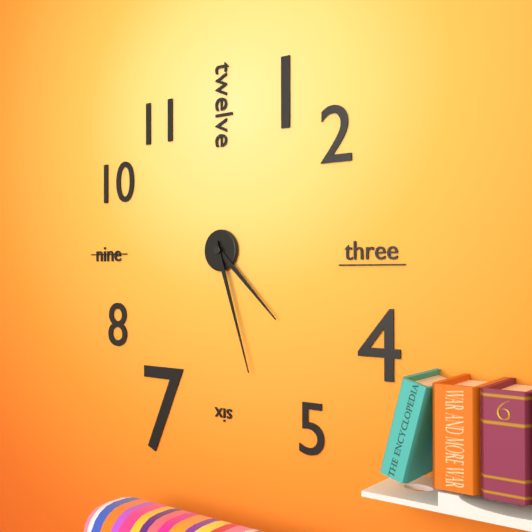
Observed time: 4:27
